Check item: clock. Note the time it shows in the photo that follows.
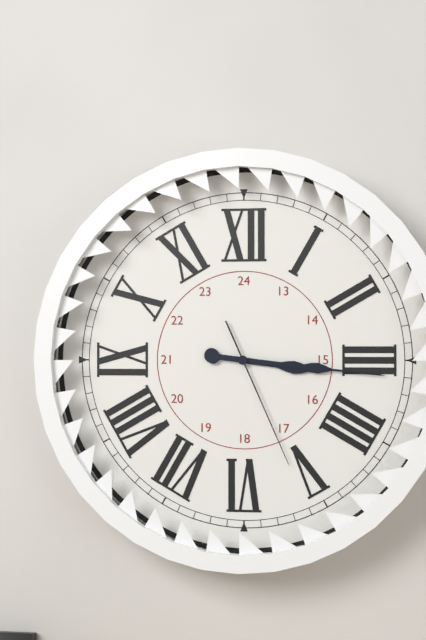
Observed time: 3:16:26
